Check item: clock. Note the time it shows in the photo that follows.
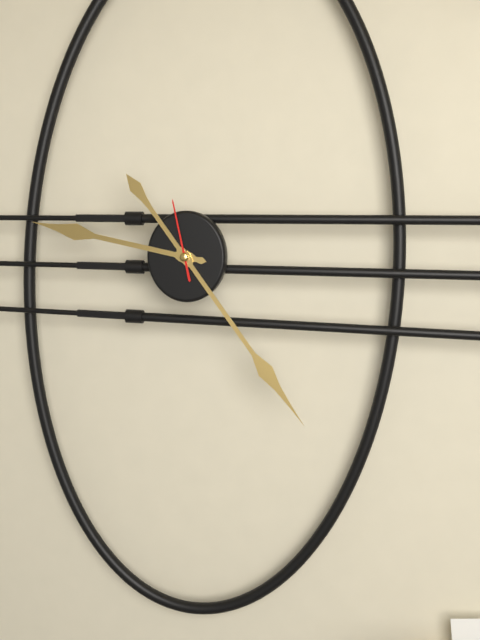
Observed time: 9:24:58
